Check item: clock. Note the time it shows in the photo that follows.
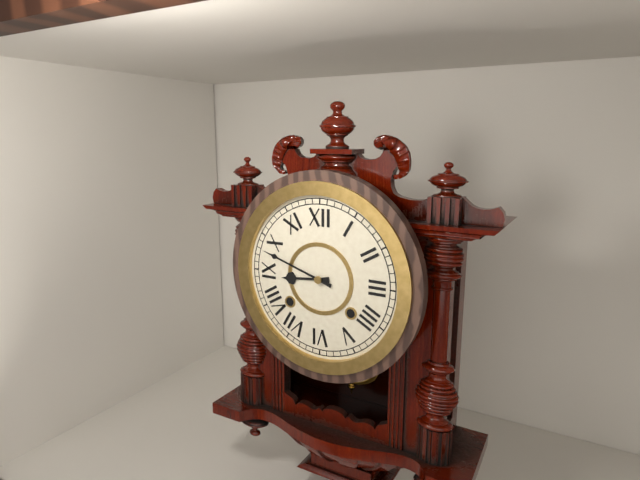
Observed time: 8:48
